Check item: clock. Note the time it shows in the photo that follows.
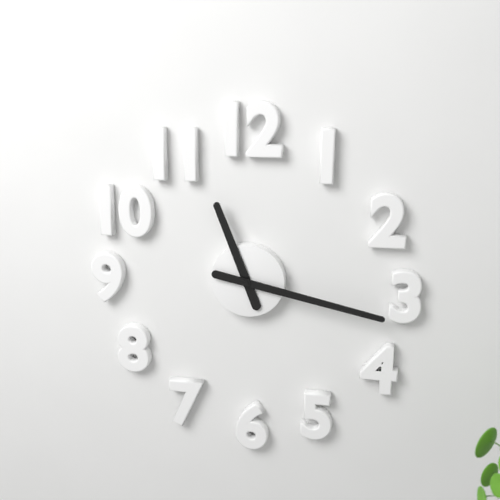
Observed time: 11:17
